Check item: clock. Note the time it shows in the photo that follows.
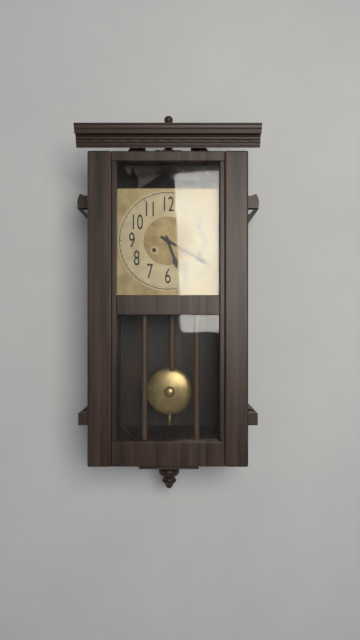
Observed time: 5:20
